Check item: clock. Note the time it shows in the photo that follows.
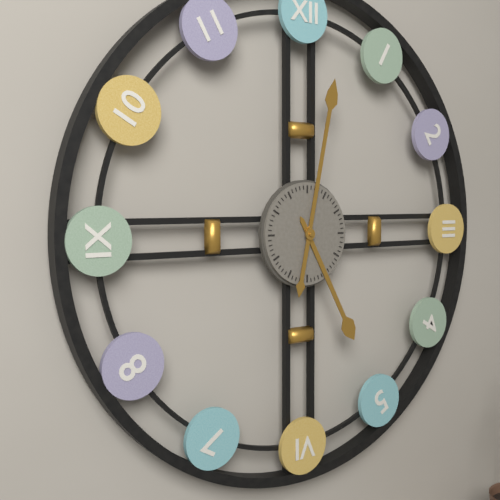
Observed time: 5:02
